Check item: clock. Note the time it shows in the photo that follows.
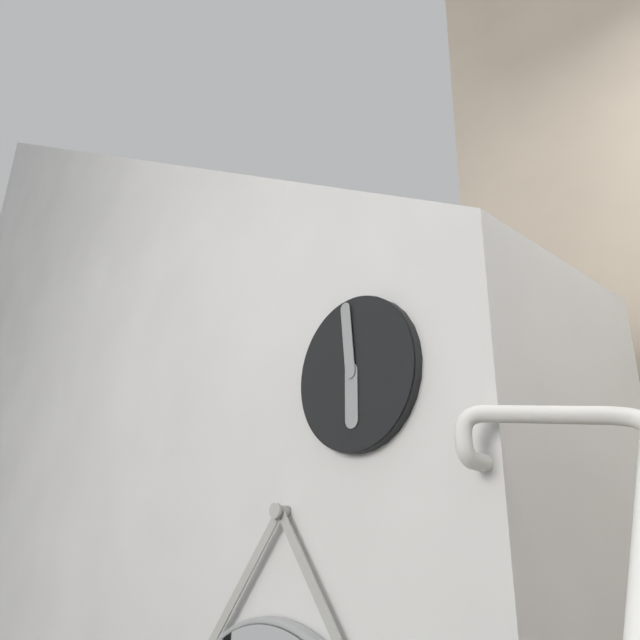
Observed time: 5:59
